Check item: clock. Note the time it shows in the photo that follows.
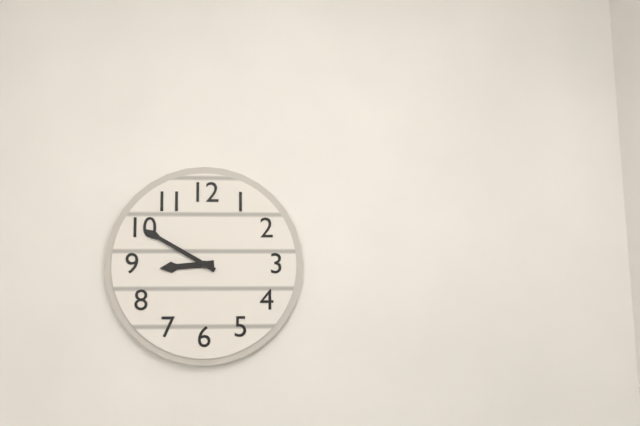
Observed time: 8:50
